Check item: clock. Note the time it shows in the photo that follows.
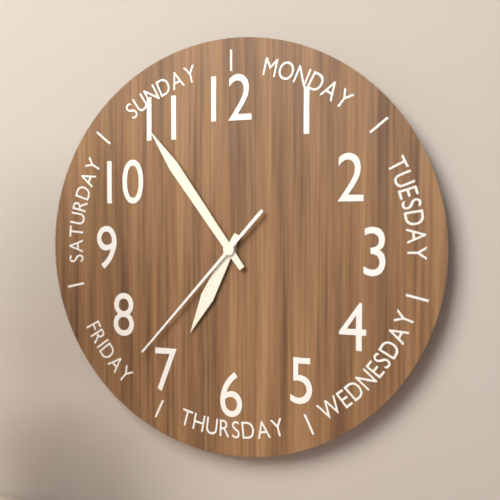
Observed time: 6:54:37
